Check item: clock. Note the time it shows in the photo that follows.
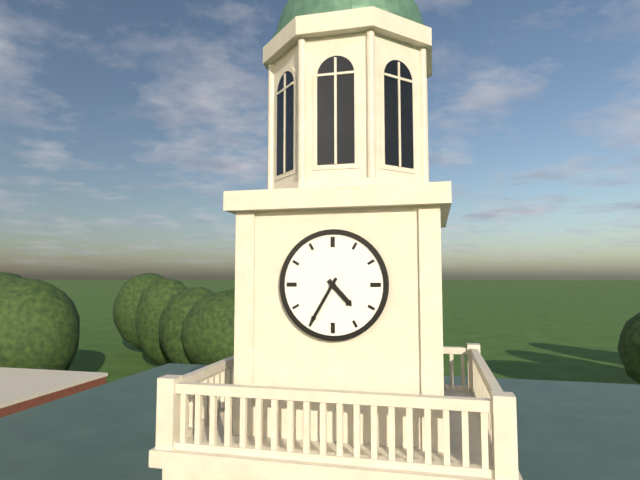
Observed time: 4:35
